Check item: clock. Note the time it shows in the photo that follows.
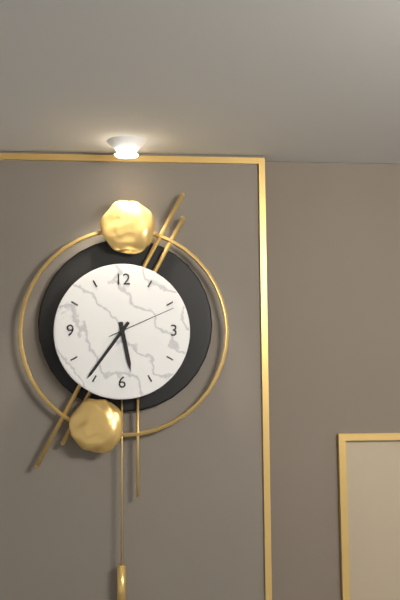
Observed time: 5:36:11
